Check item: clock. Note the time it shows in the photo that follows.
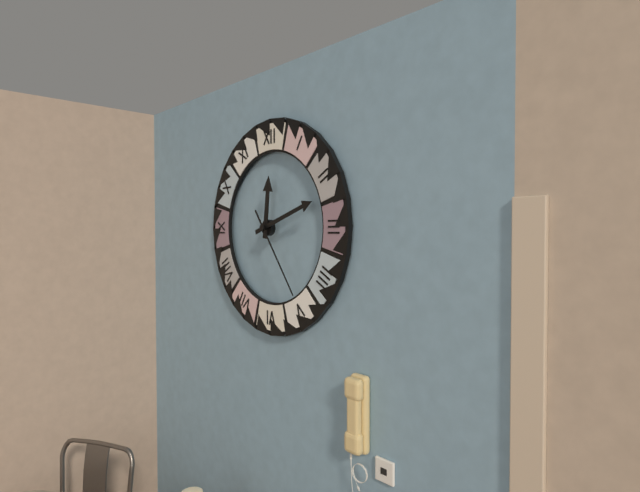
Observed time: 12:12:24
